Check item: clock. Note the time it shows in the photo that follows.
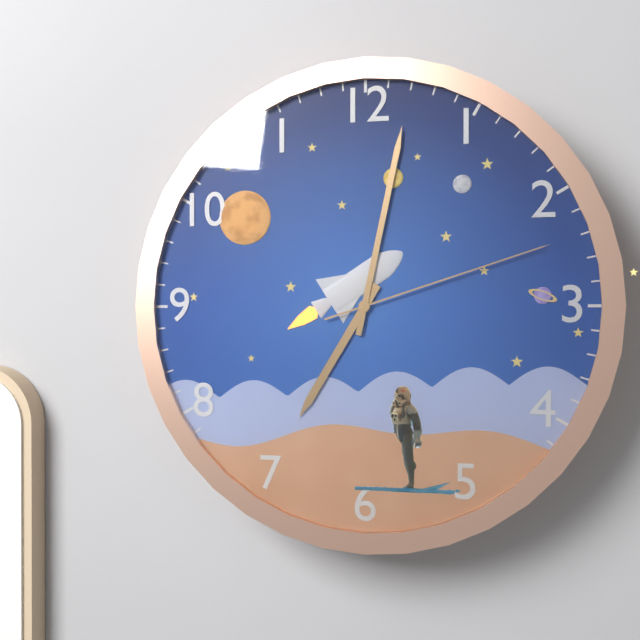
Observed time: 7:02:12
